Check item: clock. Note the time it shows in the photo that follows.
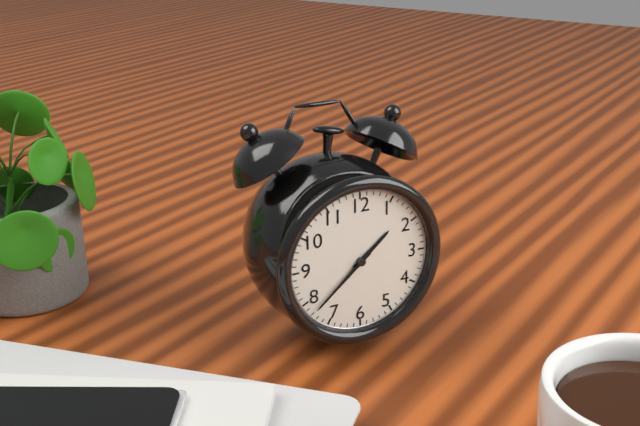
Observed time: 1:38
